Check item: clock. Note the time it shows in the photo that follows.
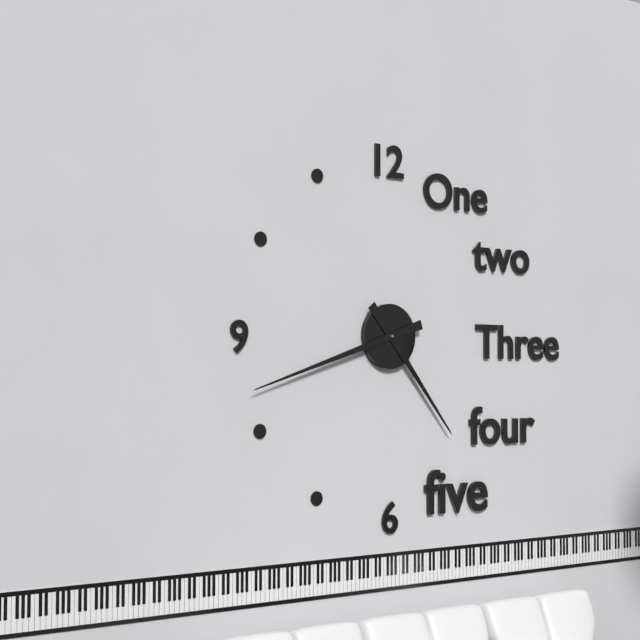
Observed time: 4:42
